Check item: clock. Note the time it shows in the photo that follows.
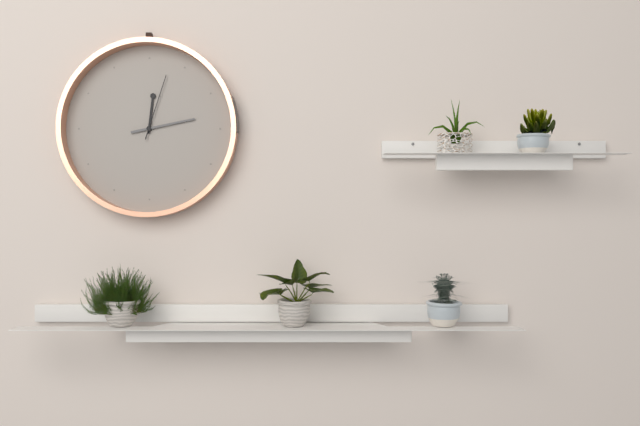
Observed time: 12:13:03
